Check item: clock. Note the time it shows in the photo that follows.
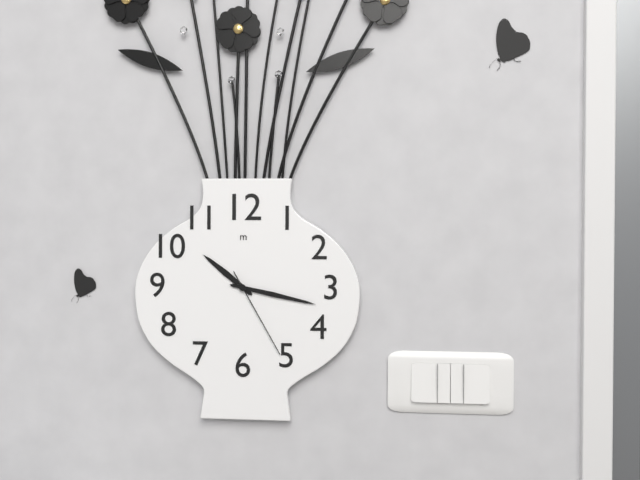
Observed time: 10:17:25
